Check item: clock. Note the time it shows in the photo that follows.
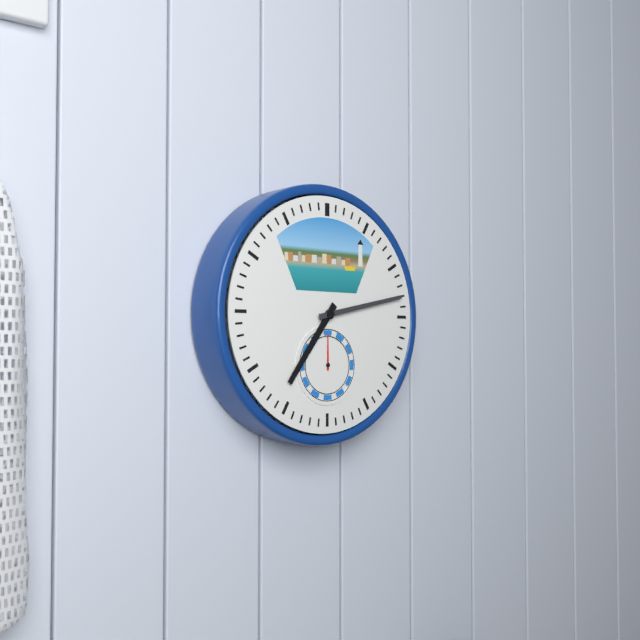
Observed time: 7:13
